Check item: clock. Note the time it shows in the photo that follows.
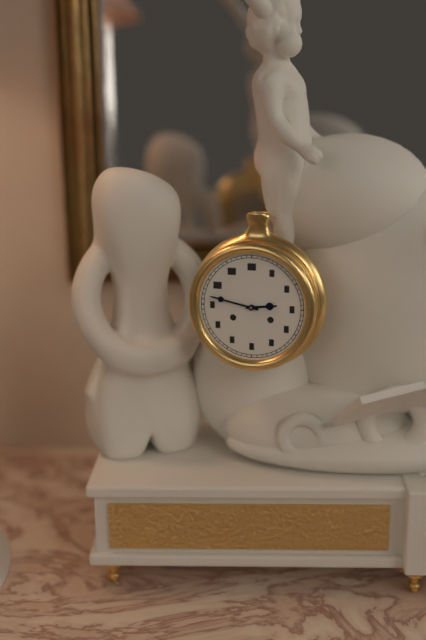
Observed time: 2:47
